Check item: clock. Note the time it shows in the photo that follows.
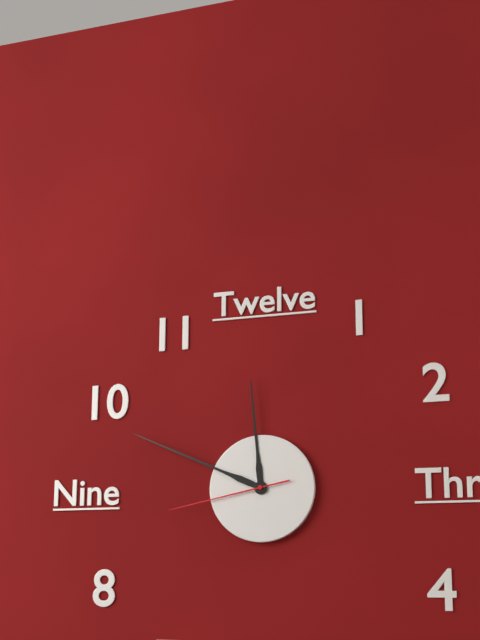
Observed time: 11:49:43
